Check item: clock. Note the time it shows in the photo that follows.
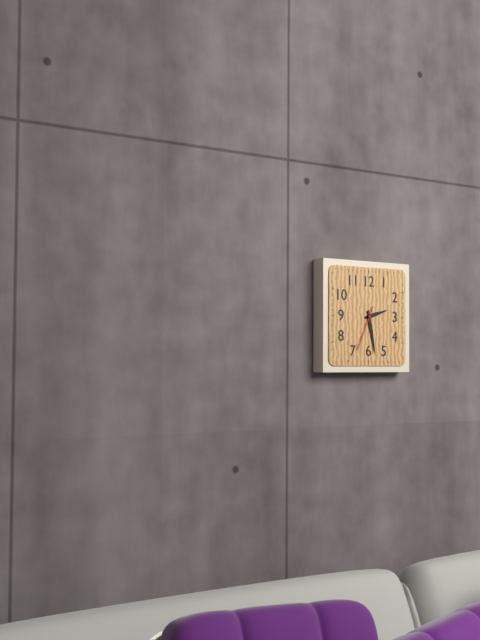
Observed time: 2:28
